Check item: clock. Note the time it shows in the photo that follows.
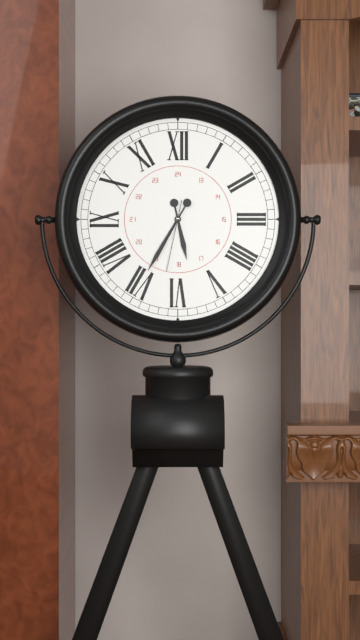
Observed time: 5:35:32
